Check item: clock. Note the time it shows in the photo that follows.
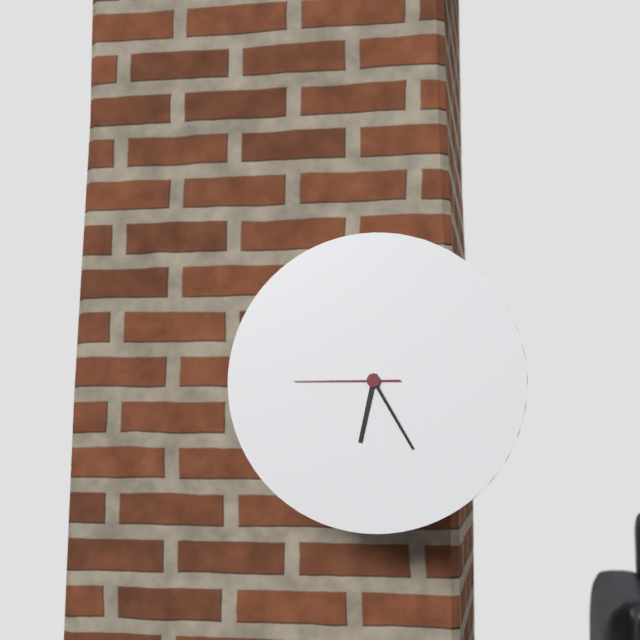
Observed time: 6:25:45
